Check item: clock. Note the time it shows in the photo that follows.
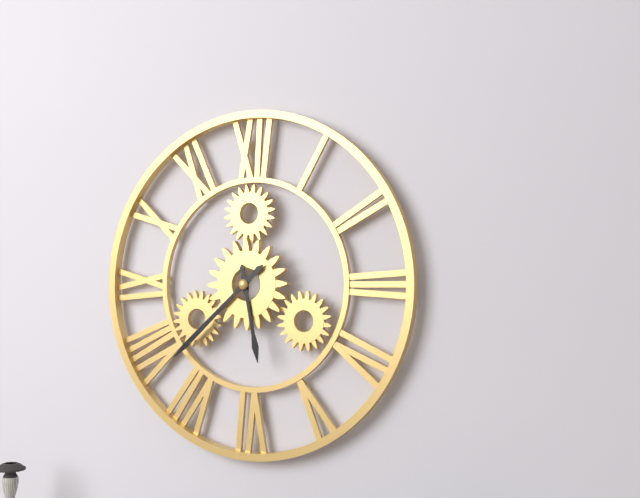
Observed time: 5:38
